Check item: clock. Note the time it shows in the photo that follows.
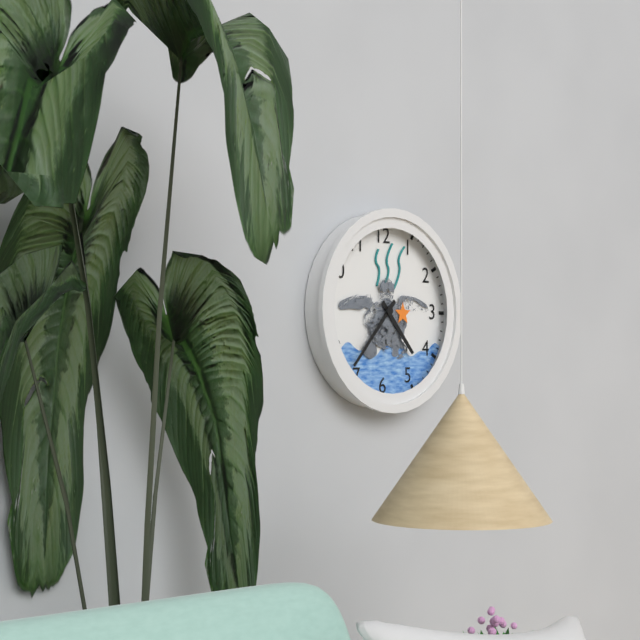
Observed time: 4:37
